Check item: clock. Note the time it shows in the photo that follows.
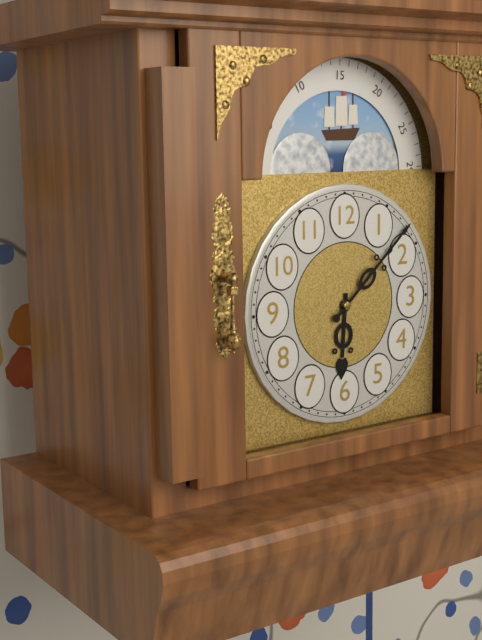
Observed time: 6:08
